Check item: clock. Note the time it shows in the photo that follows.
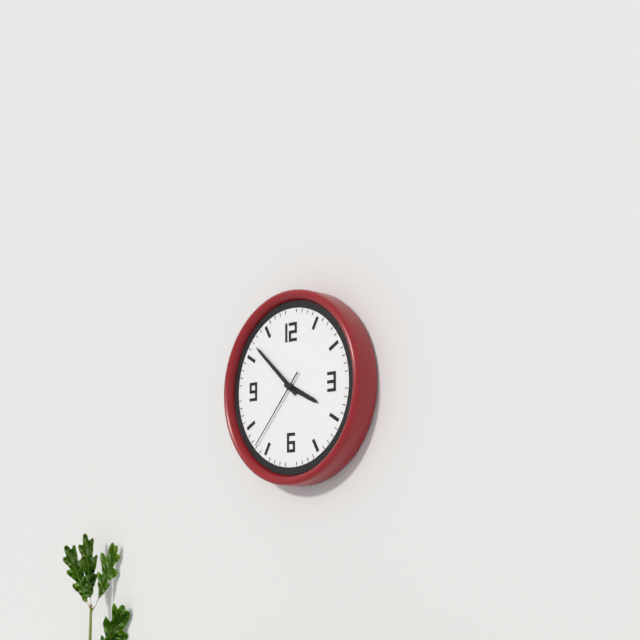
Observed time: 3:52:37
